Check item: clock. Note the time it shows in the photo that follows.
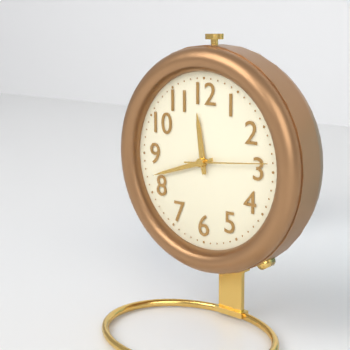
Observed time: 11:42:14
